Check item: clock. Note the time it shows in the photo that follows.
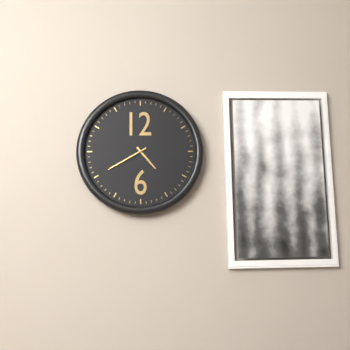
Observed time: 4:40
